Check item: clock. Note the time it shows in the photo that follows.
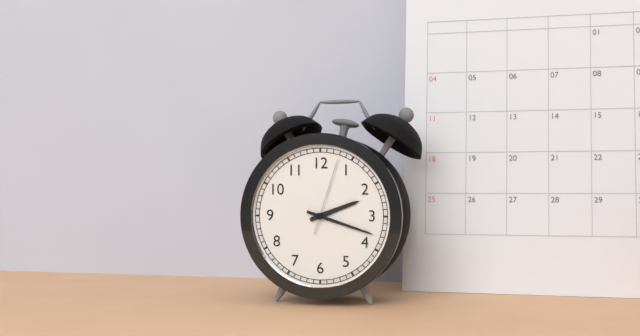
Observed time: 2:18:03
